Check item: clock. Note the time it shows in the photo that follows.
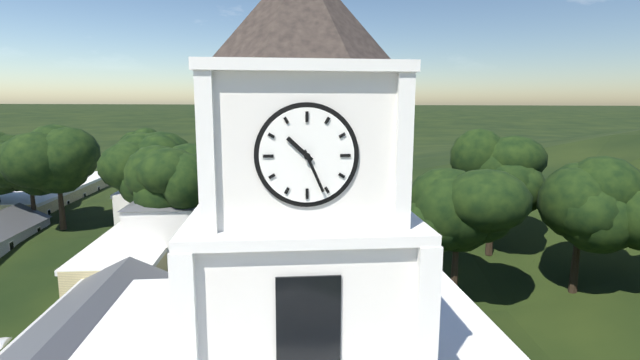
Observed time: 10:26
